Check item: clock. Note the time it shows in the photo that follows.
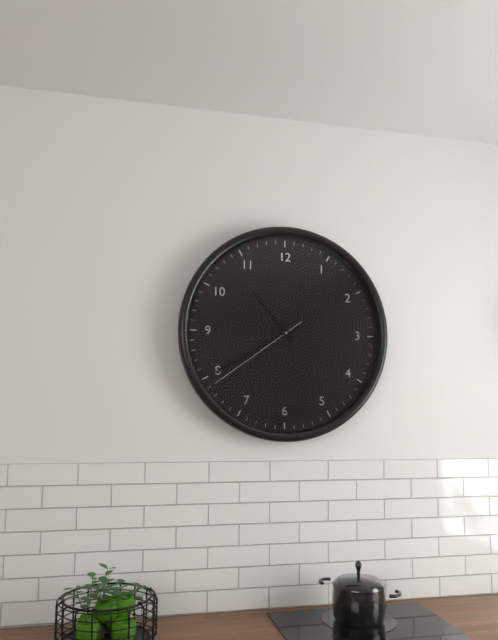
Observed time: 10:40:39
